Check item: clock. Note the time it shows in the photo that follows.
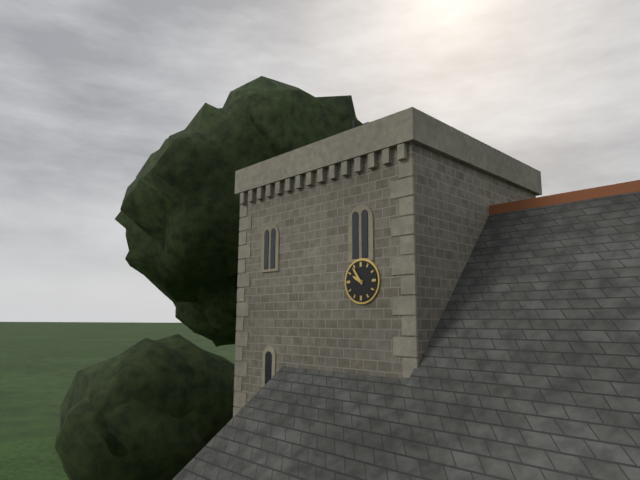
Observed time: 9:54
